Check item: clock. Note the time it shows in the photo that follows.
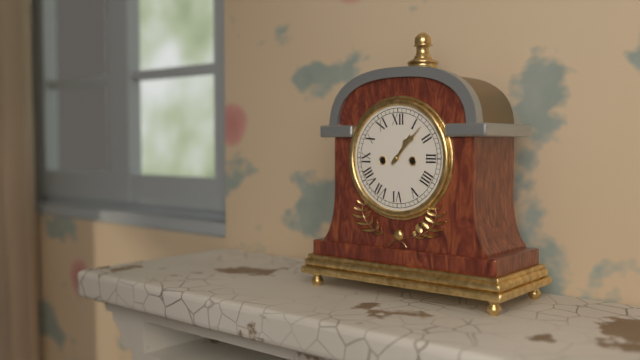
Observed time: 1:07
